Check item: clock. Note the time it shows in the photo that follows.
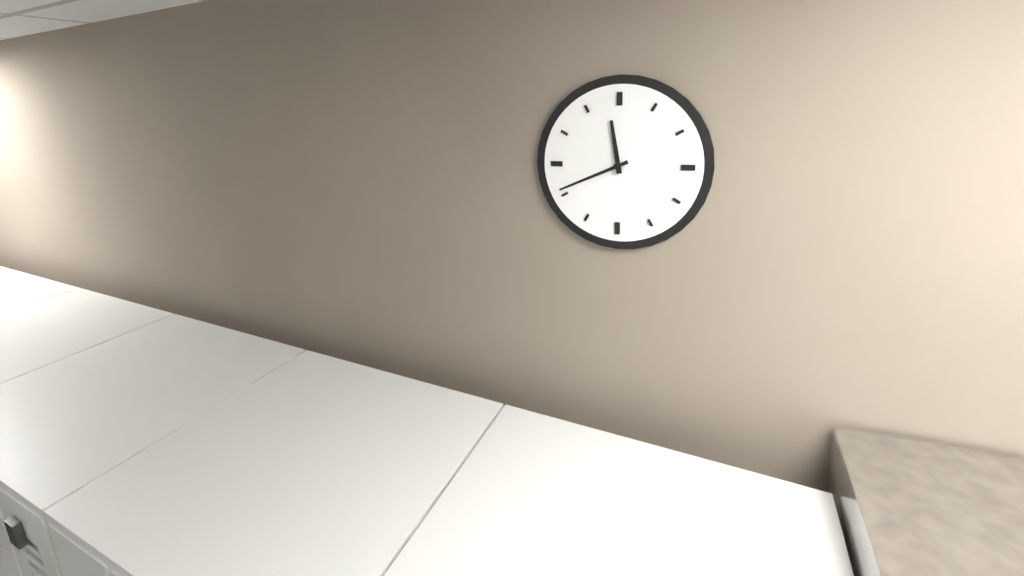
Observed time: 11:41
